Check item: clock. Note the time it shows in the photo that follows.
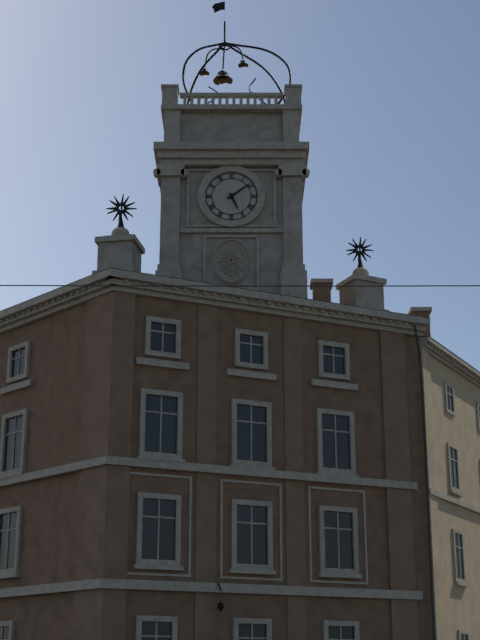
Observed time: 5:09
